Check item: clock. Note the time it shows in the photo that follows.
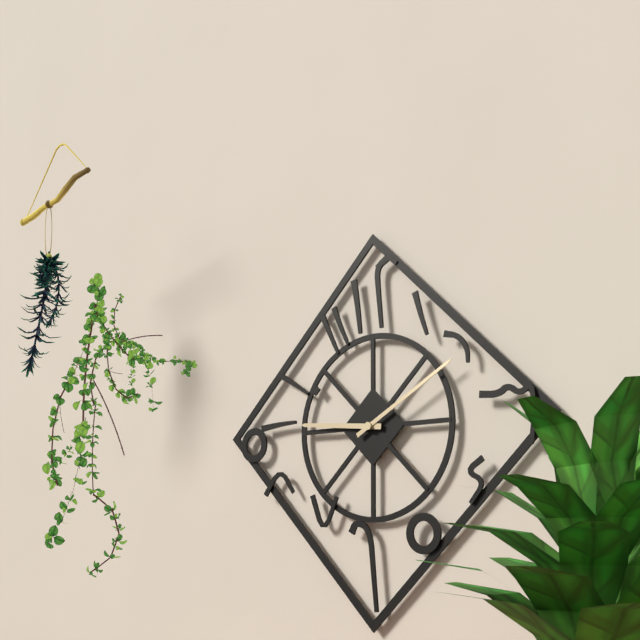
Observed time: 9:10
